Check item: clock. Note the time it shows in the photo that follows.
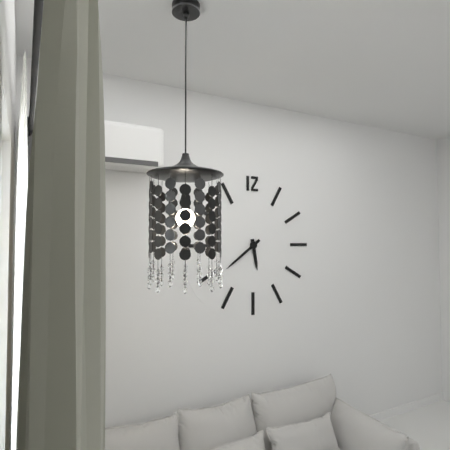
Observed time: 5:39
